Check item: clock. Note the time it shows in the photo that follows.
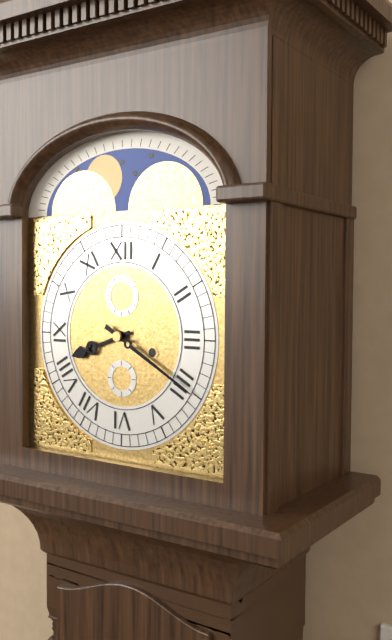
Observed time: 8:20
